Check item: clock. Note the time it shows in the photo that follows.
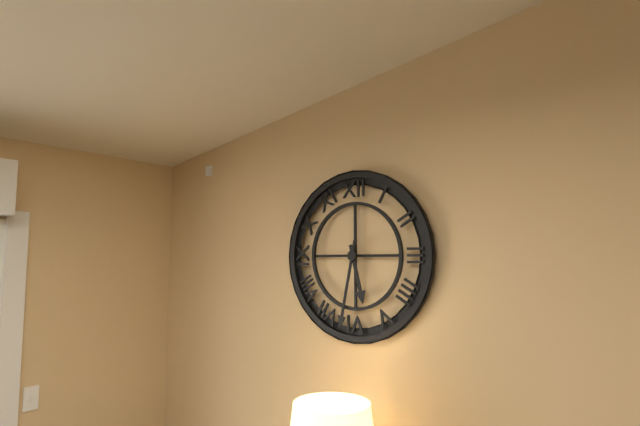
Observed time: 5:32
